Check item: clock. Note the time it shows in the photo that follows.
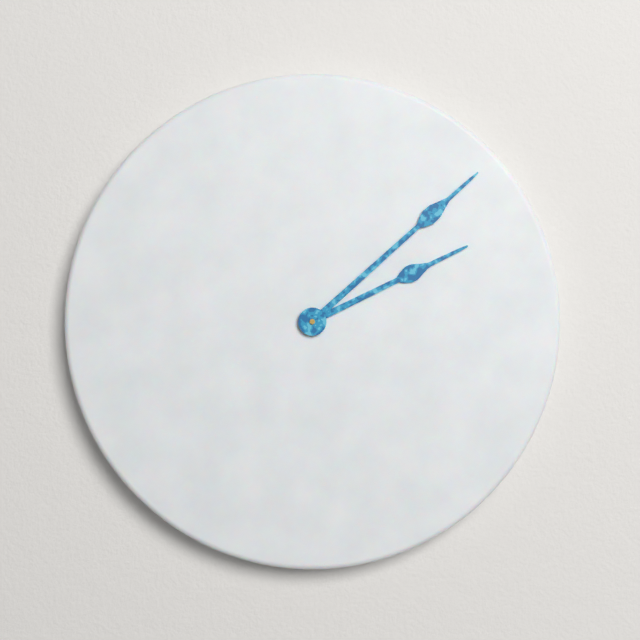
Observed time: 2:08
